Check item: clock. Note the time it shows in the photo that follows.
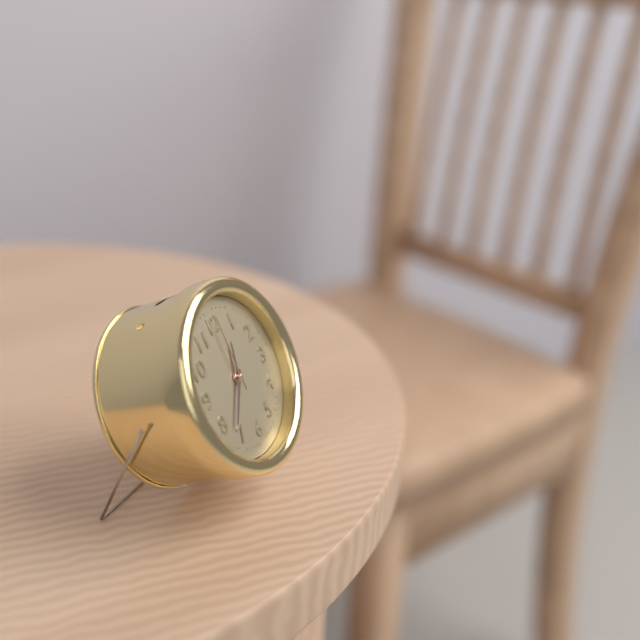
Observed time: 12:37:00
